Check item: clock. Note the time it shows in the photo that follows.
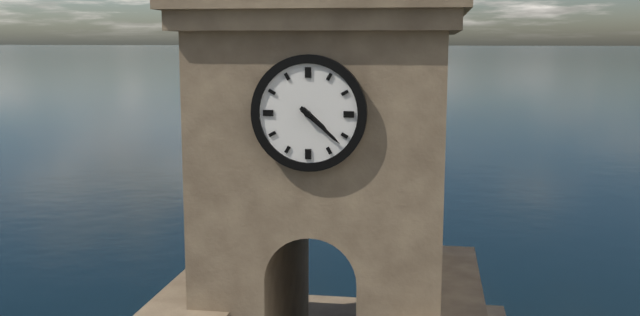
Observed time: 4:22
